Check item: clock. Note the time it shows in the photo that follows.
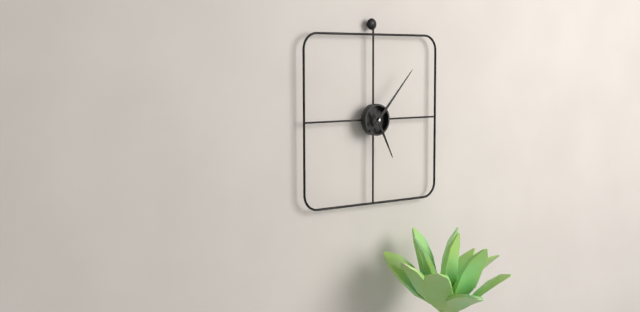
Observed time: 5:07
